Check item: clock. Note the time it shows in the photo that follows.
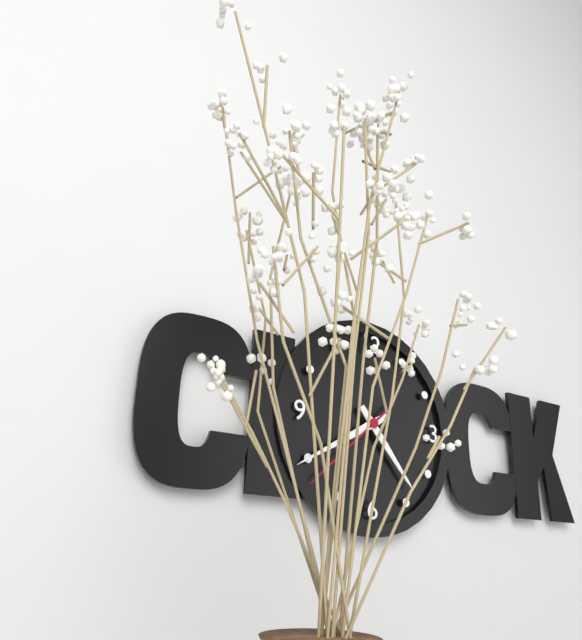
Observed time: 4:40:38
